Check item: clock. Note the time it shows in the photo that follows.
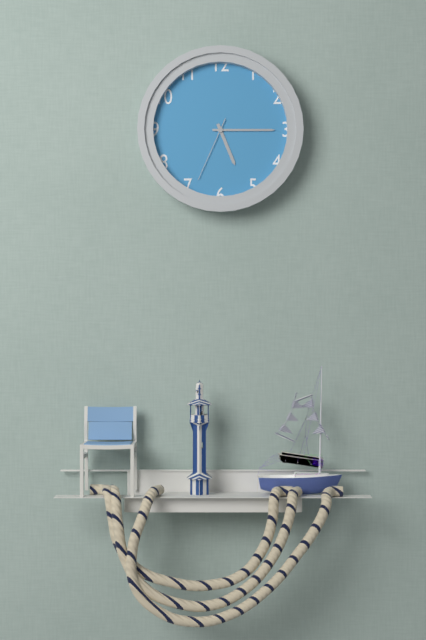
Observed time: 5:15:34
